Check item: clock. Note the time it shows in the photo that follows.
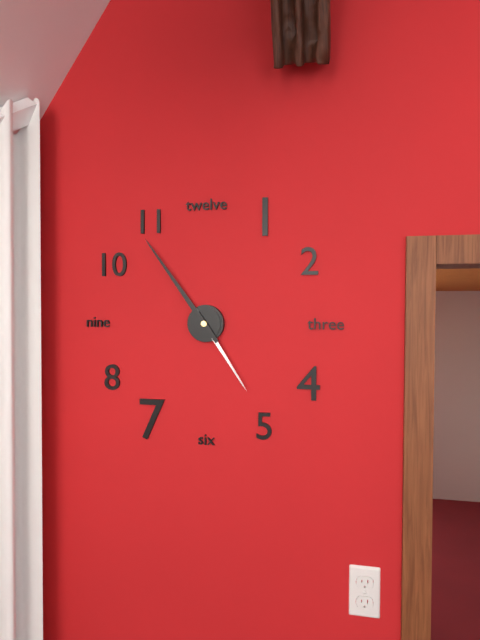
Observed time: 4:54
